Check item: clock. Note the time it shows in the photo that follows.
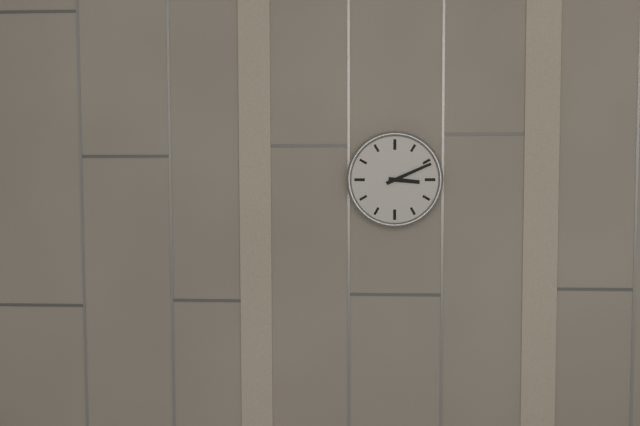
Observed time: 3:11
